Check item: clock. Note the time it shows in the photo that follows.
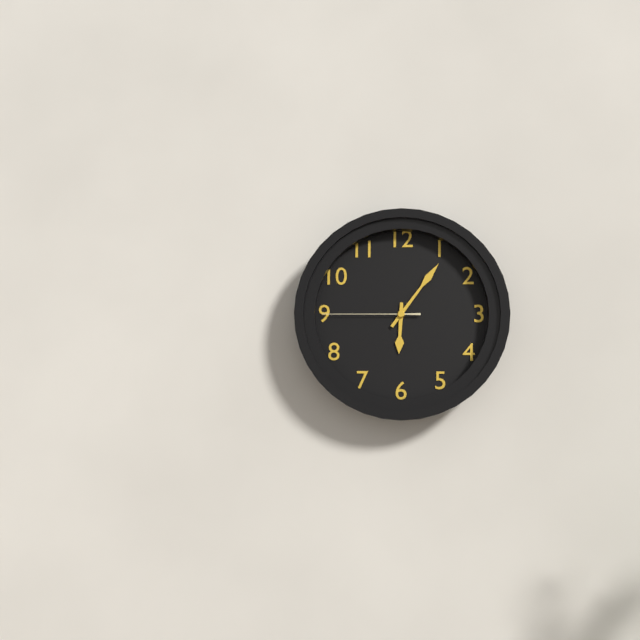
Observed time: 6:06:45
